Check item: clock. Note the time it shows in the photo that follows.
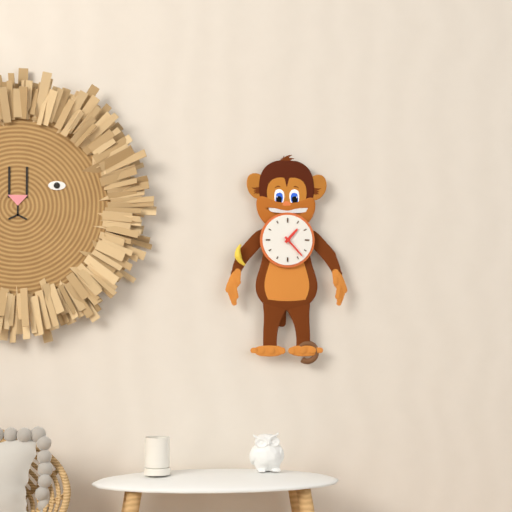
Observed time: 1:23
